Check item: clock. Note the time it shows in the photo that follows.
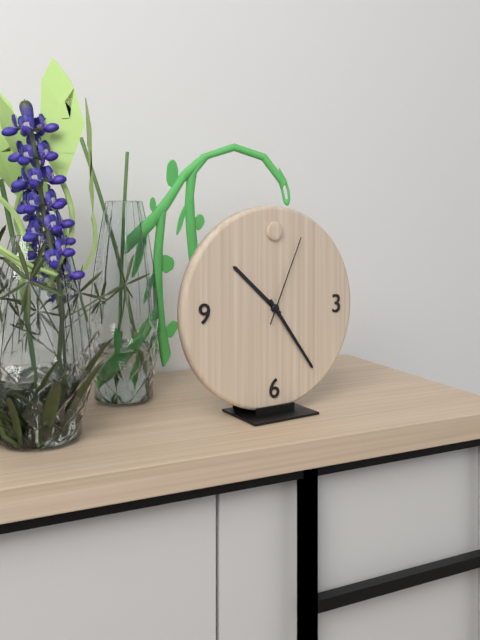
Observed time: 10:24:04
